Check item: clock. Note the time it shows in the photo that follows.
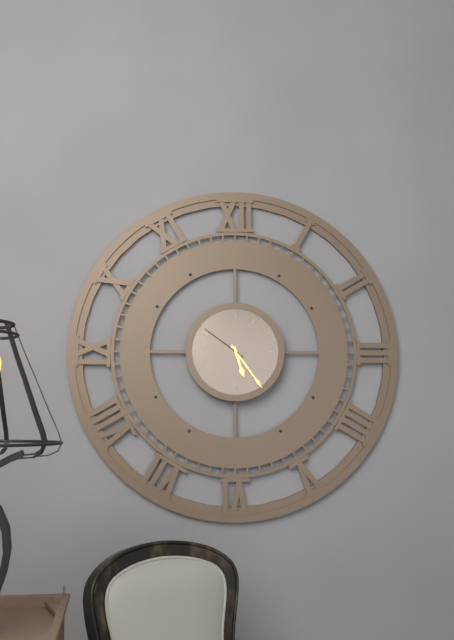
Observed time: 5:24
